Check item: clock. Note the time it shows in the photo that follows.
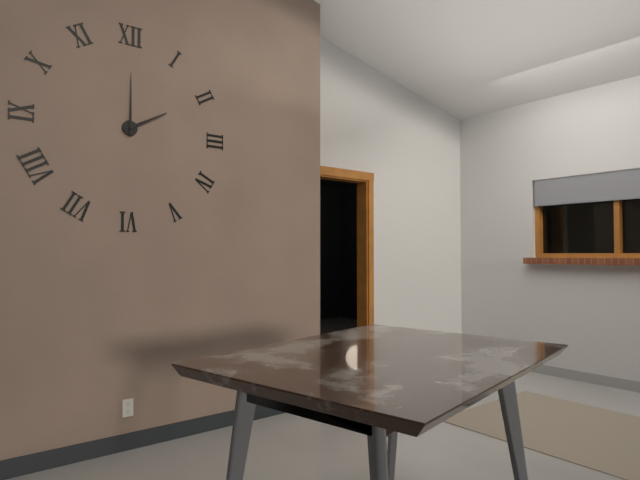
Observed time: 2:00
